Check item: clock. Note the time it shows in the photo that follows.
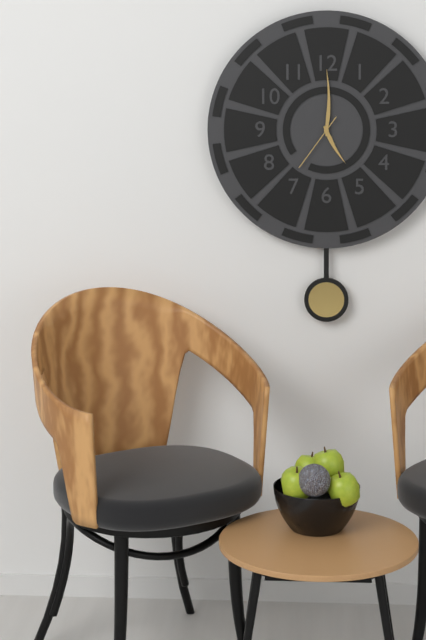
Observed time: 5:00:36
